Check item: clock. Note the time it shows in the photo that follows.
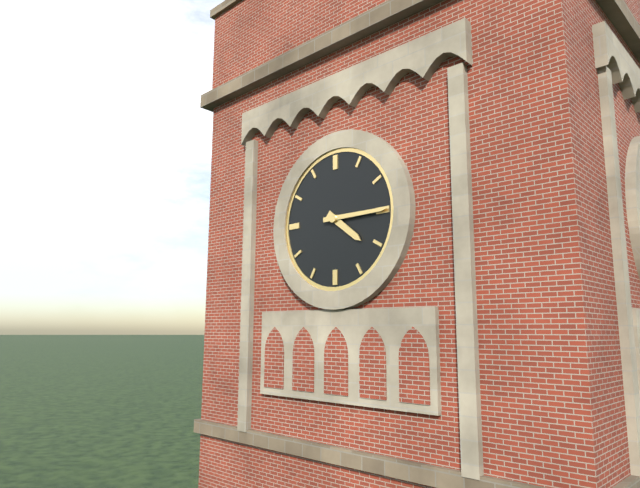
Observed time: 4:15
